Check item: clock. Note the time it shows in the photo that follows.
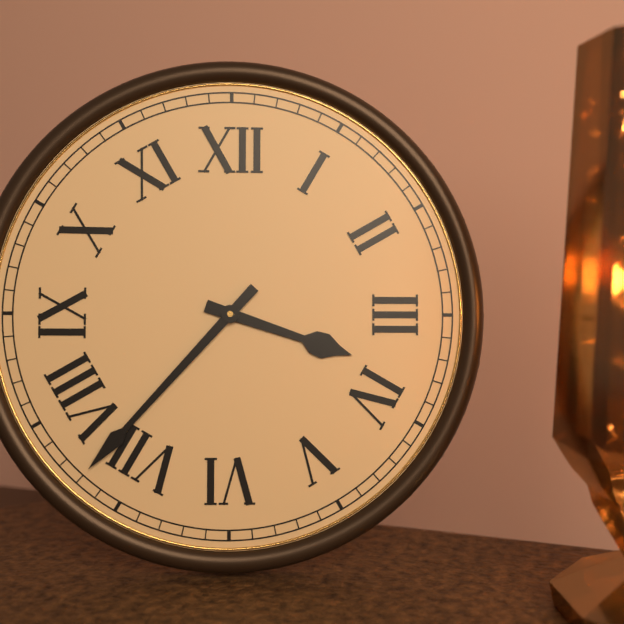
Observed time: 3:37
